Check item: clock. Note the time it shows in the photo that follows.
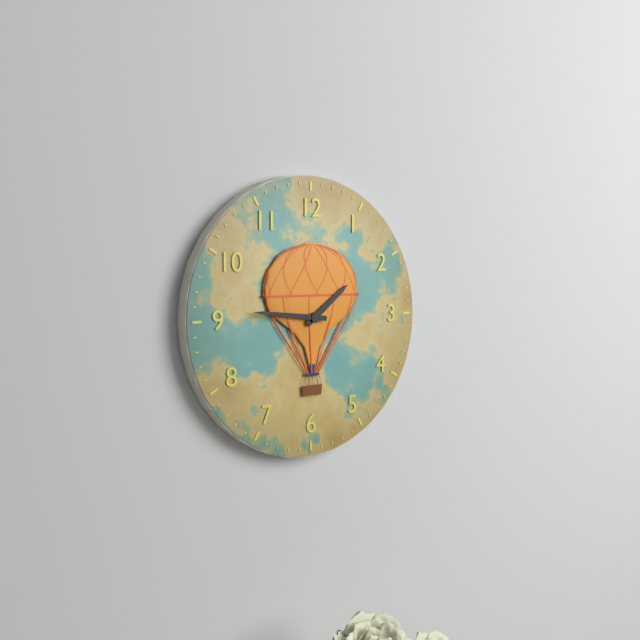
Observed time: 1:46
